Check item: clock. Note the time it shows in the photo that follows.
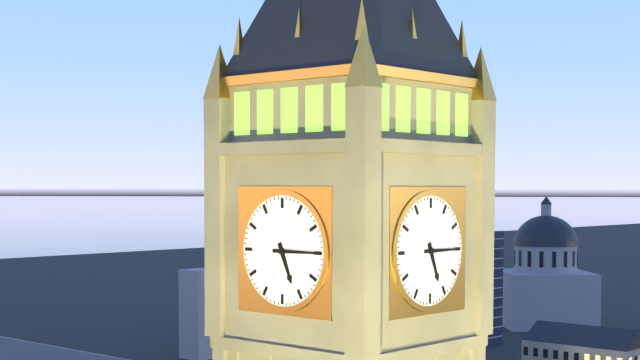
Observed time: 5:15
